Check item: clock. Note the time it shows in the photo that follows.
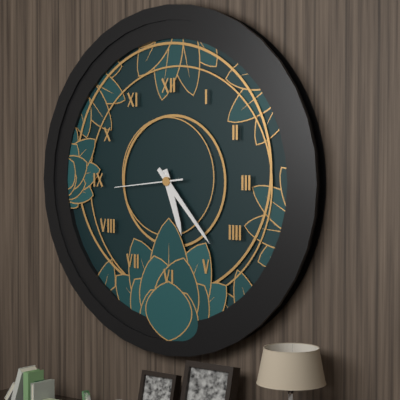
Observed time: 5:23:44
